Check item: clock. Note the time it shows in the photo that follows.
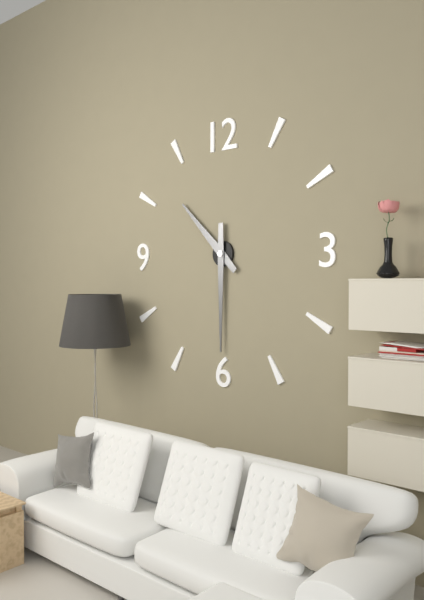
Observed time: 10:30
